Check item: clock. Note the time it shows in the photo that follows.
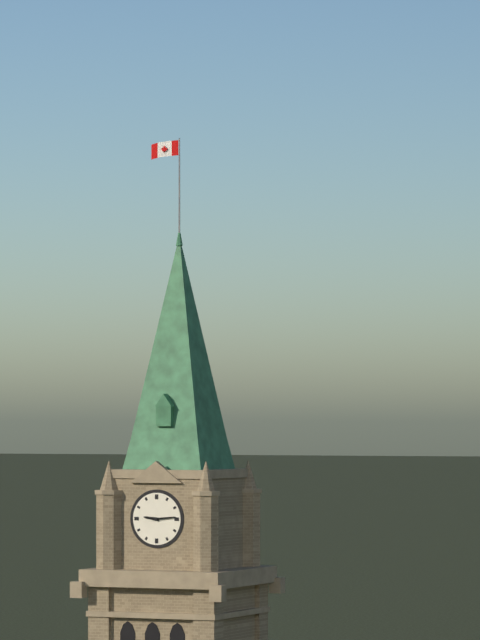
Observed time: 9:14
